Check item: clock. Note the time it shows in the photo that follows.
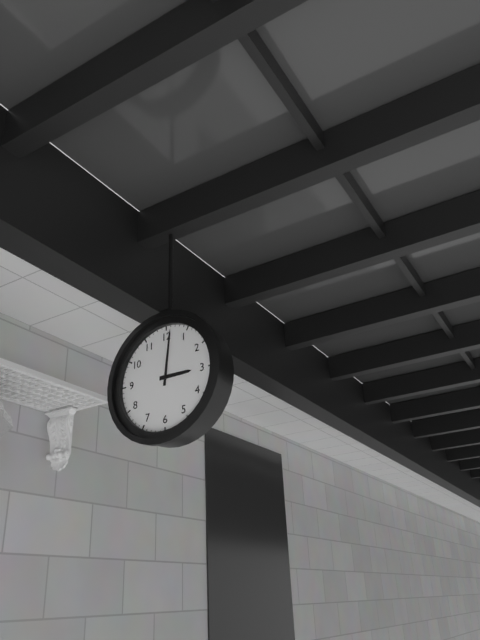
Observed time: 3:01
